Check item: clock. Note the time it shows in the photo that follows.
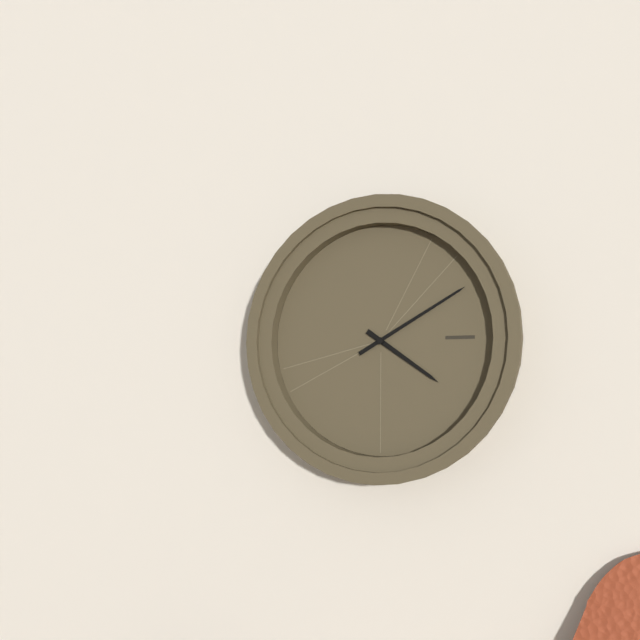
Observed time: 4:10
